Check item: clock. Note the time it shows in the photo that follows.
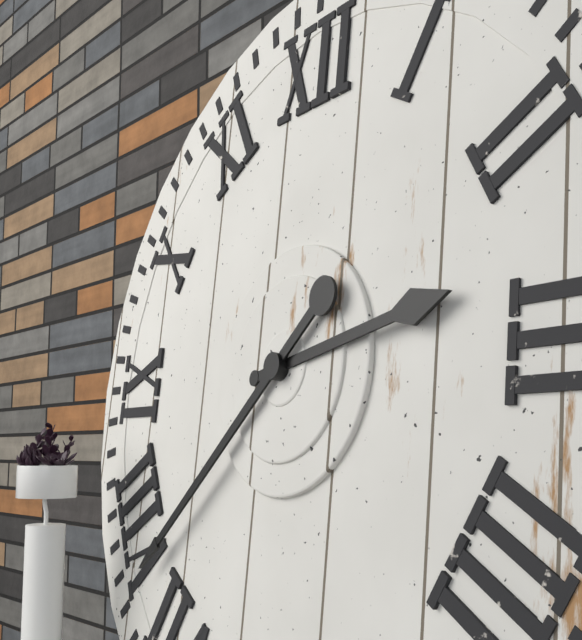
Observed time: 2:38
